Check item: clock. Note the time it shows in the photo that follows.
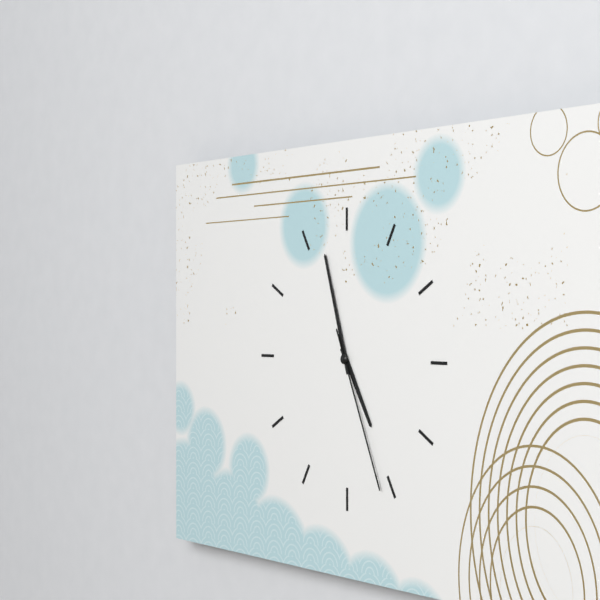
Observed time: 4:57:26
